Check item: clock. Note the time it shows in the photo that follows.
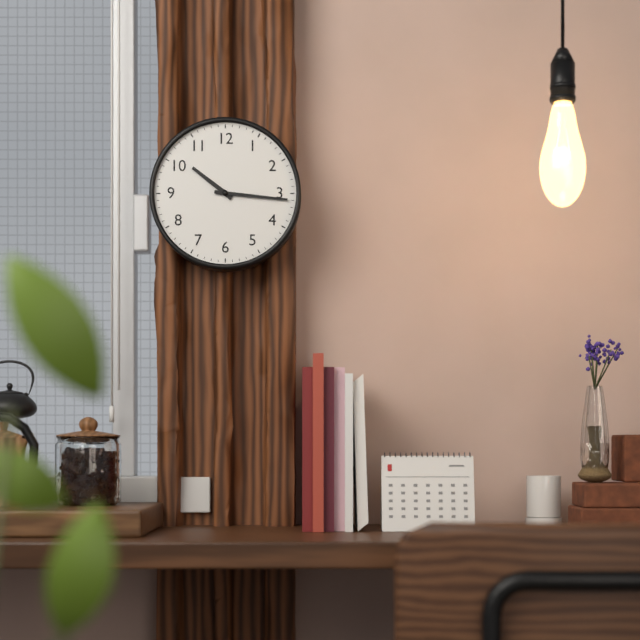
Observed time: 10:16
